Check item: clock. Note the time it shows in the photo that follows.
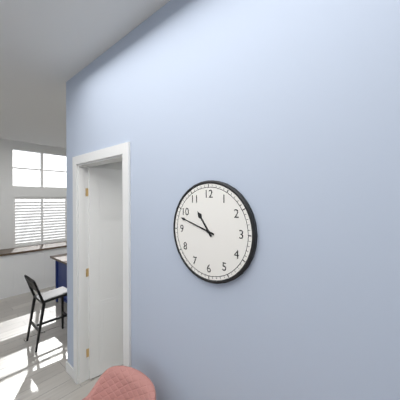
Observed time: 10:48
